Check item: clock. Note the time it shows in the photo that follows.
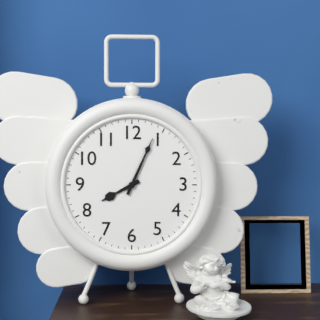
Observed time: 8:04
